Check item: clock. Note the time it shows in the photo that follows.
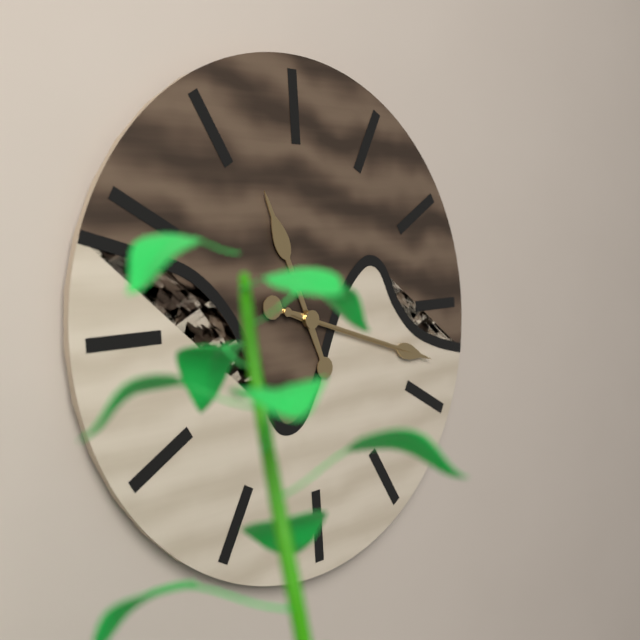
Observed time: 11:18:18
